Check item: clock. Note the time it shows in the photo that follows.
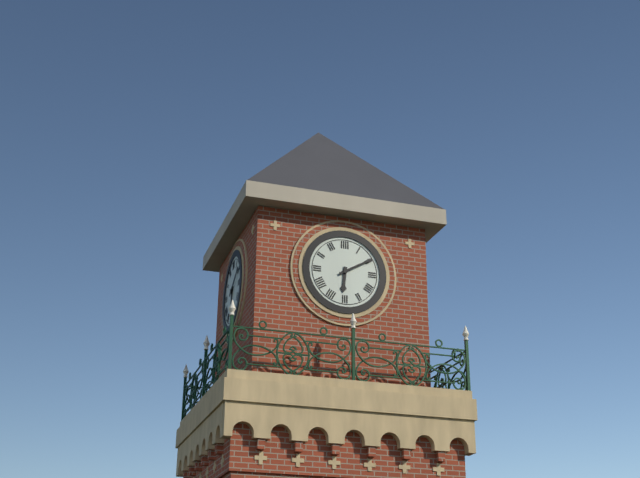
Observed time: 6:10
